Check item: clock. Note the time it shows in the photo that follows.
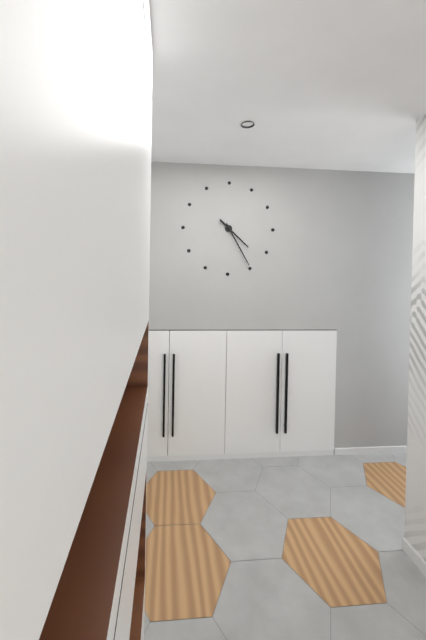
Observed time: 4:25
